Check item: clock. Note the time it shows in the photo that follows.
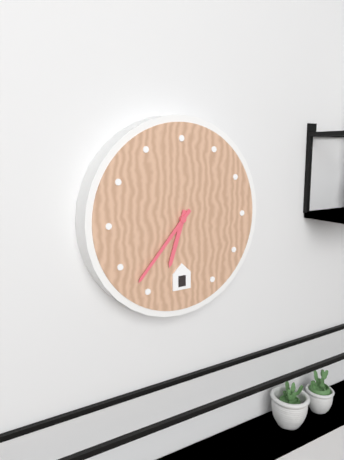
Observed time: 6:37
